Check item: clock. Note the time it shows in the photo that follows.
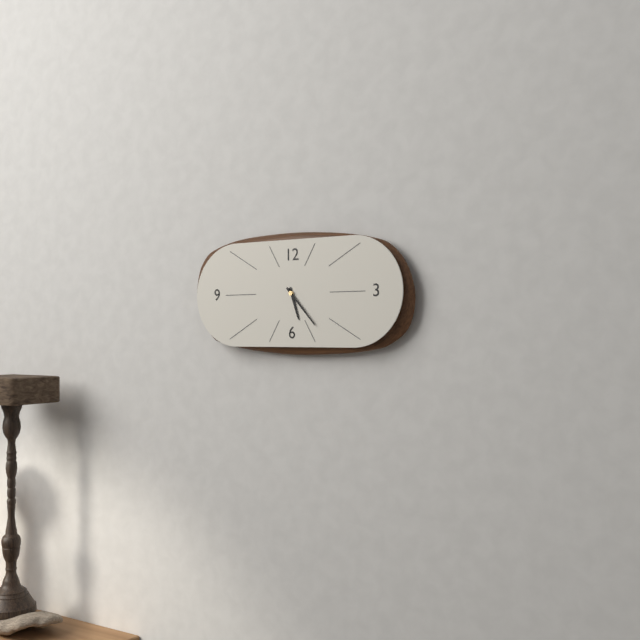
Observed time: 5:23
